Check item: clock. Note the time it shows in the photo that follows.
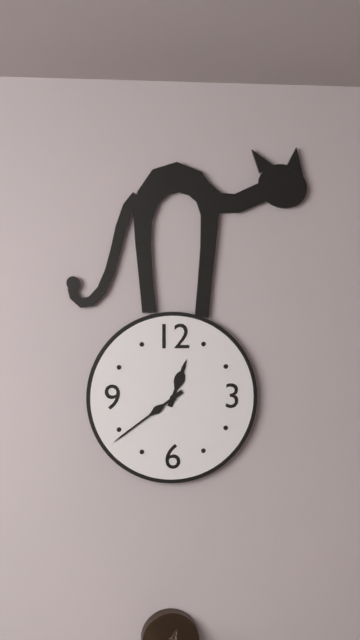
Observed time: 12:39
